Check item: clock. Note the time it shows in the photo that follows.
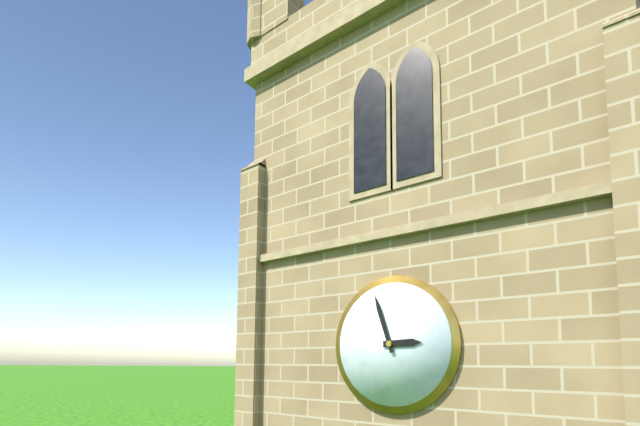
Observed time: 2:57
